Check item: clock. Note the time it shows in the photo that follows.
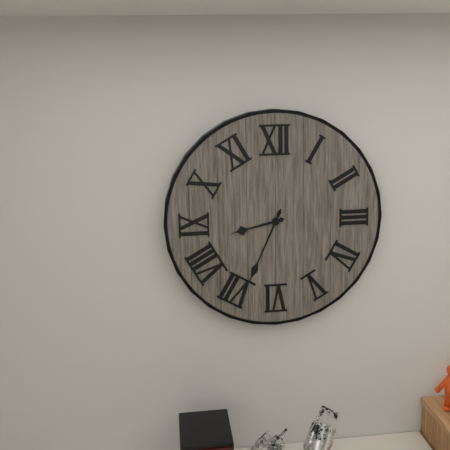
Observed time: 8:34
